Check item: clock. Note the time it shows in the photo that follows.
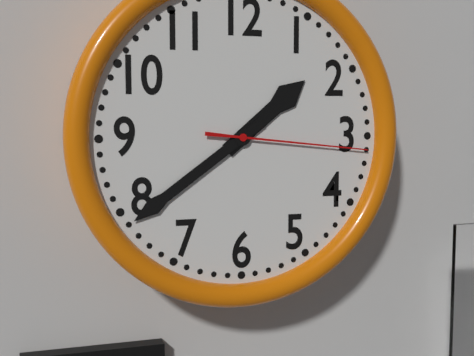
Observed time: 1:39:16
